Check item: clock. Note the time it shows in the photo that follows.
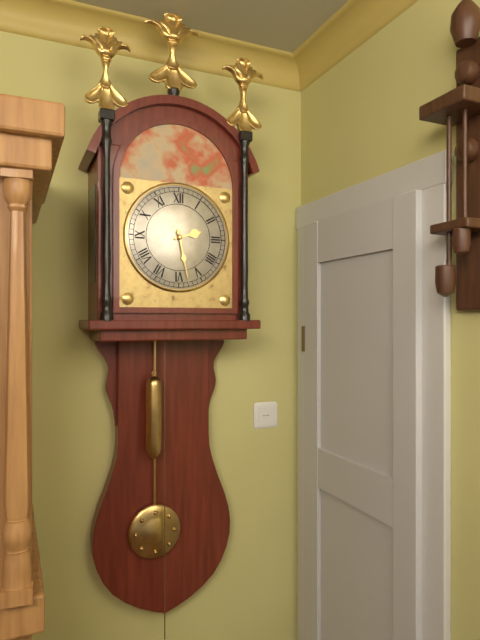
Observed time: 2:28
